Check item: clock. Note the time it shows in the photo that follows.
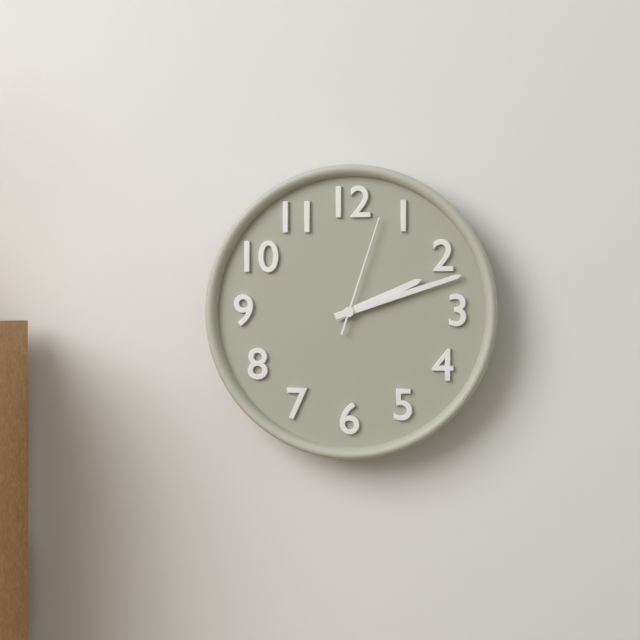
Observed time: 2:12:03
